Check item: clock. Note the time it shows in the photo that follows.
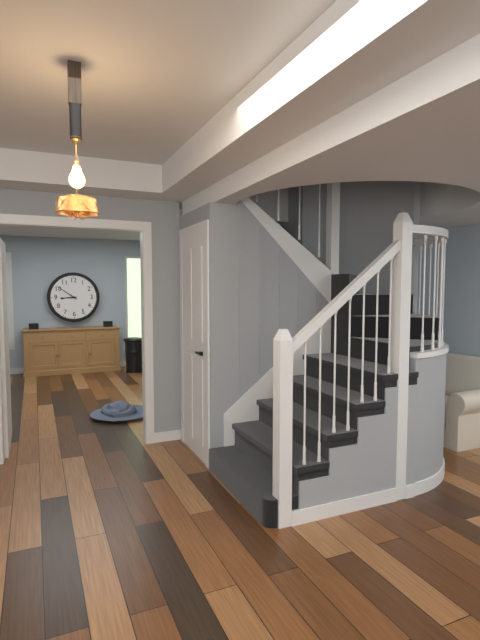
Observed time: 8:51
